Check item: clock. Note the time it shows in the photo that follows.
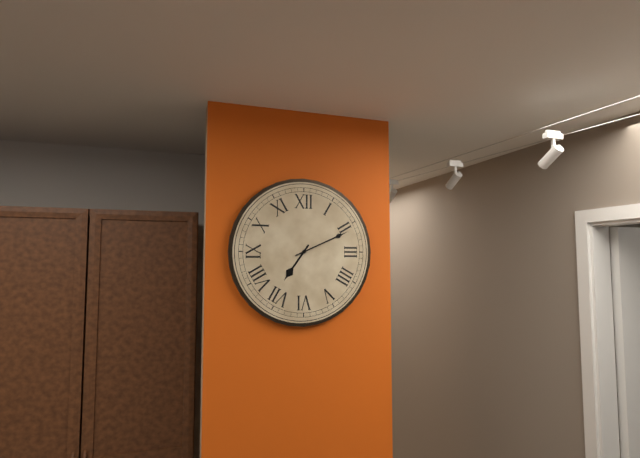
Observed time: 7:11
